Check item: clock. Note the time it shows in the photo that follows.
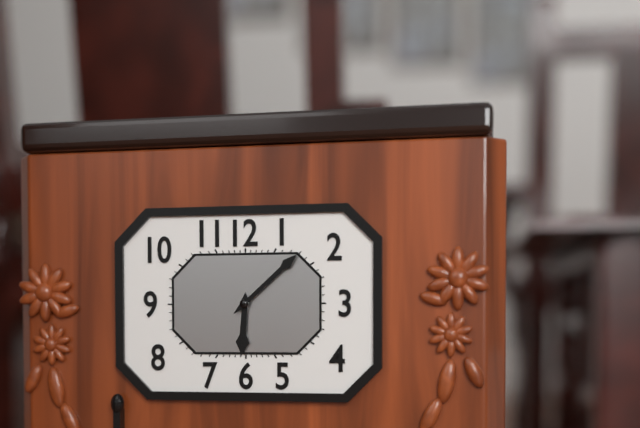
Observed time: 6:08
